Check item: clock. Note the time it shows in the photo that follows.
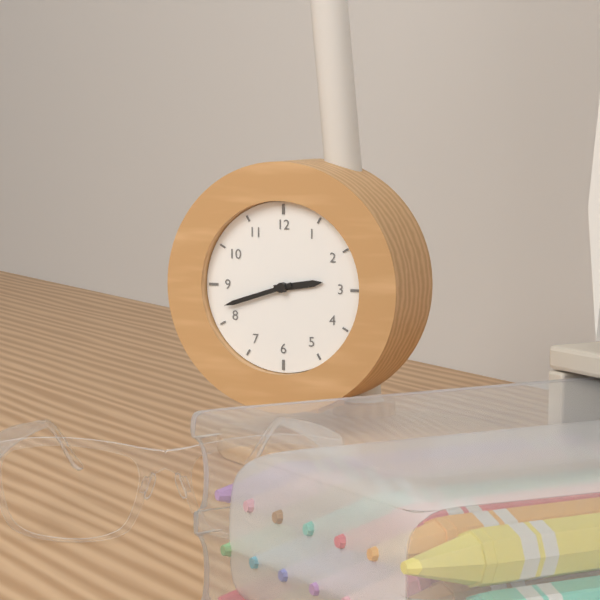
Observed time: 2:42
